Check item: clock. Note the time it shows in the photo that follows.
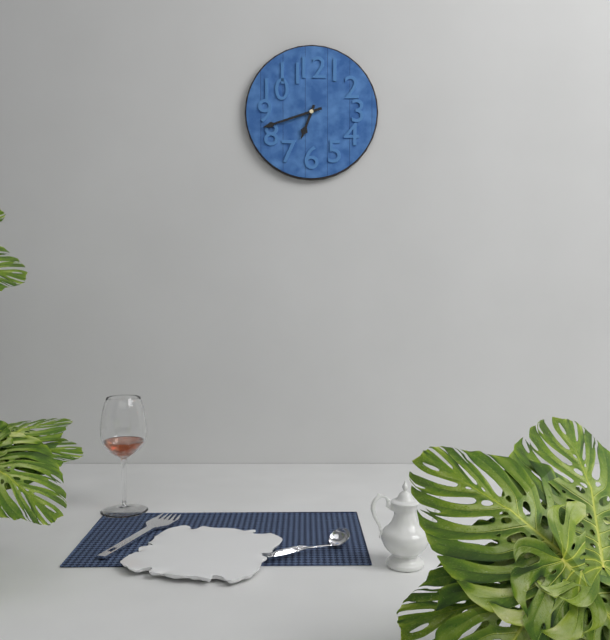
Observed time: 6:42
